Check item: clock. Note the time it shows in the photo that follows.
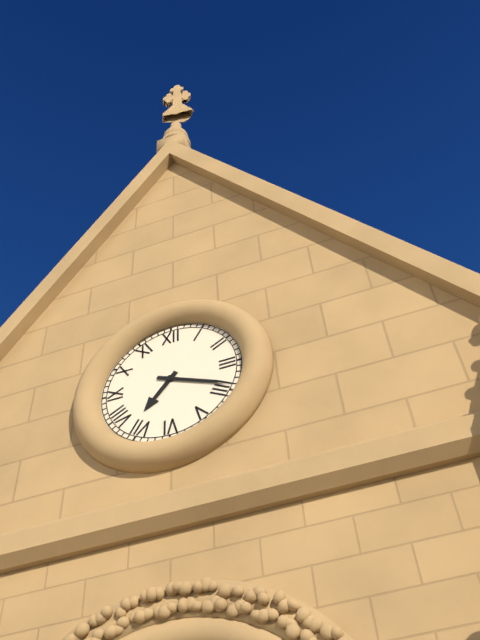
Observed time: 7:19
